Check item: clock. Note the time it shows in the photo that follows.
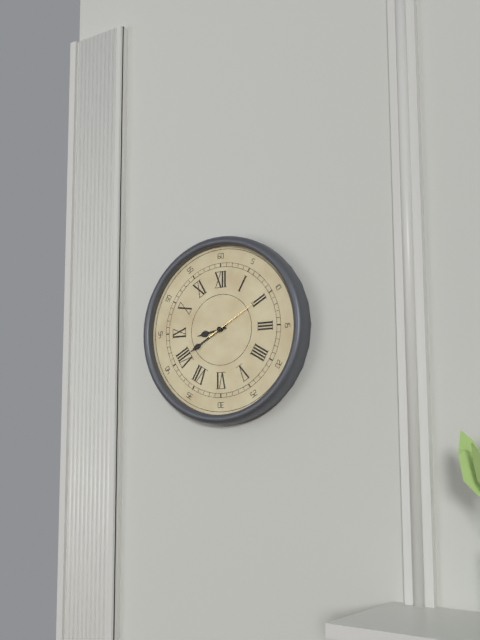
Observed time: 8:40:10
